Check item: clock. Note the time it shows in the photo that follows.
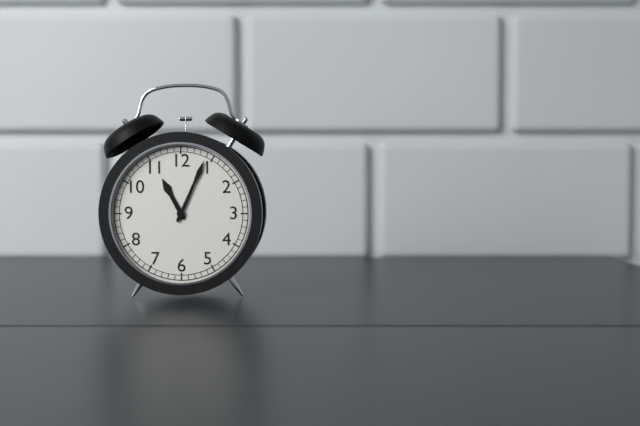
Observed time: 11:04
